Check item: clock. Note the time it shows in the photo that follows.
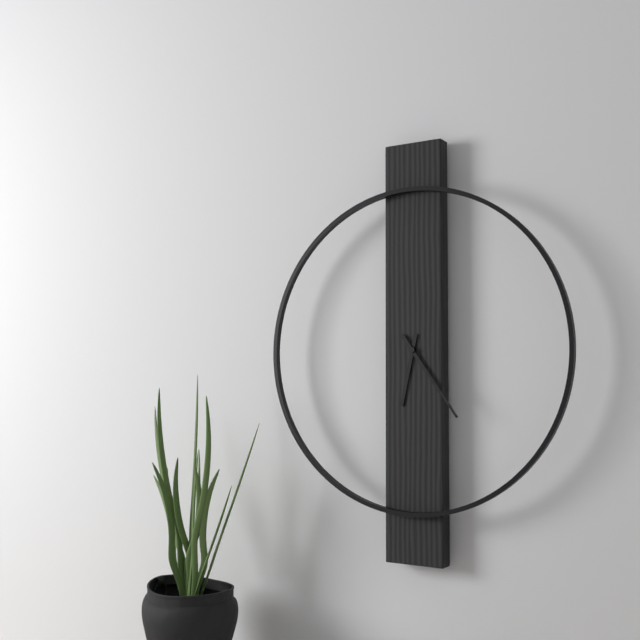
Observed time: 6:24
